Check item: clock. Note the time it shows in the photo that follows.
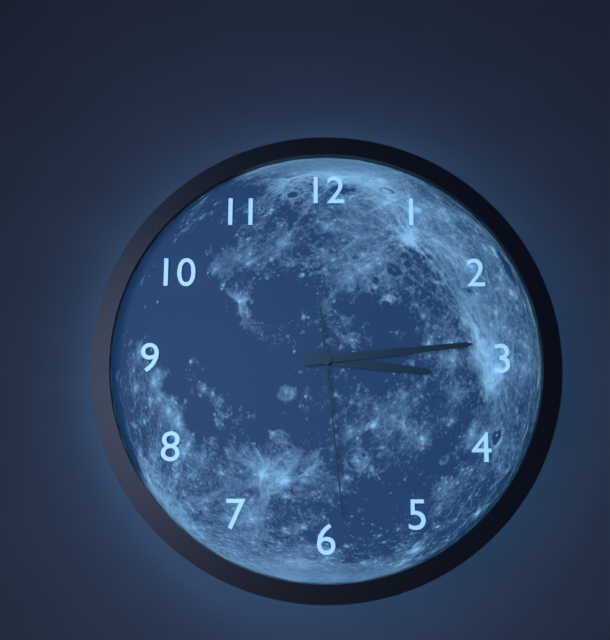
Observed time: 3:14:29
